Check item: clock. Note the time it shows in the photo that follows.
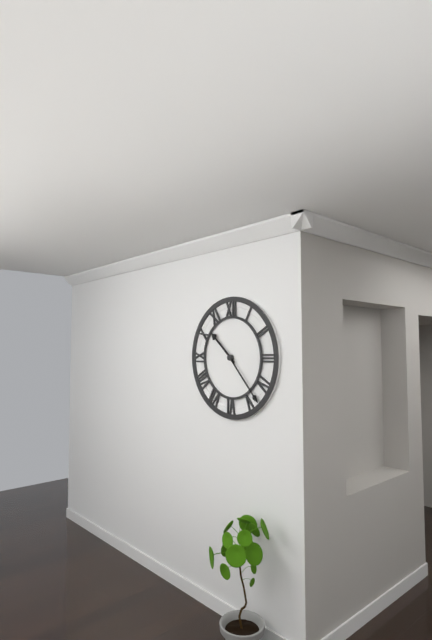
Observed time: 10:23
